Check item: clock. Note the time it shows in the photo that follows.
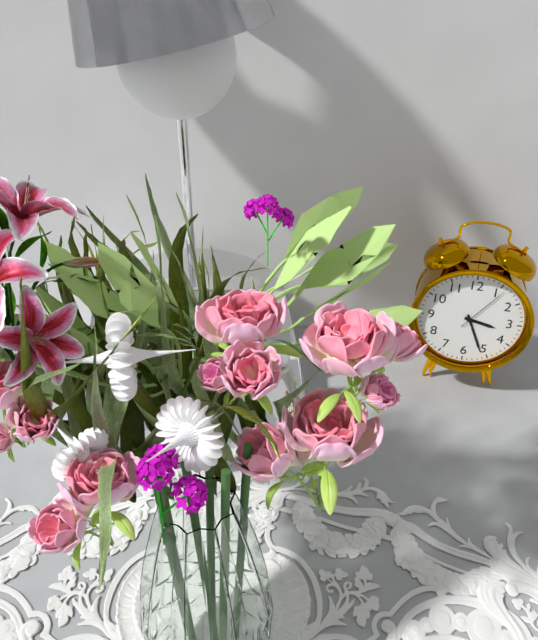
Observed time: 3:26:06
